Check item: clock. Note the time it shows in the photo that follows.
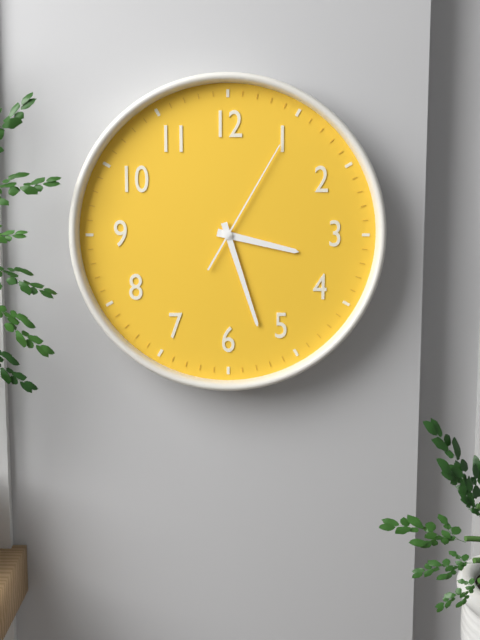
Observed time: 3:27:05
